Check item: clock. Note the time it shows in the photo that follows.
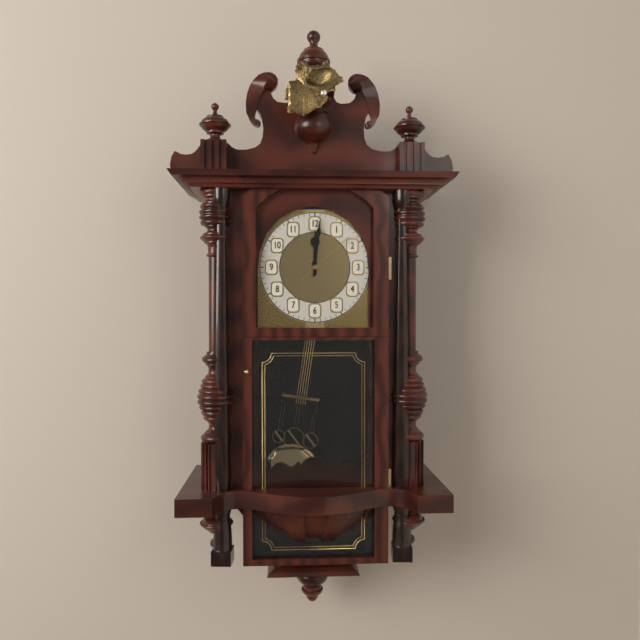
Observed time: 12:01:08
